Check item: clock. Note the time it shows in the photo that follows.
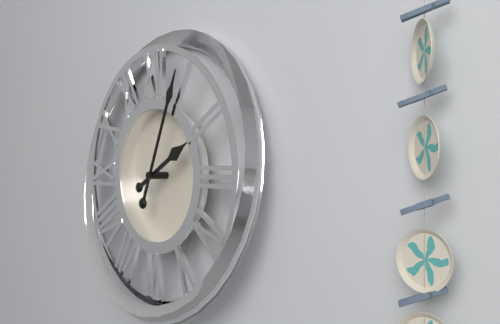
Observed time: 2:04
